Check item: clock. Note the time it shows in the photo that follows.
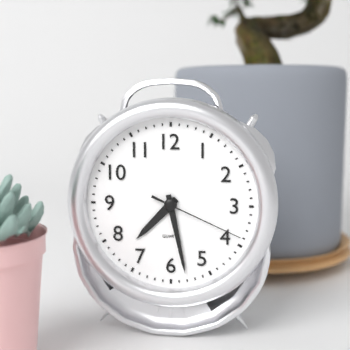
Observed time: 7:28:19
